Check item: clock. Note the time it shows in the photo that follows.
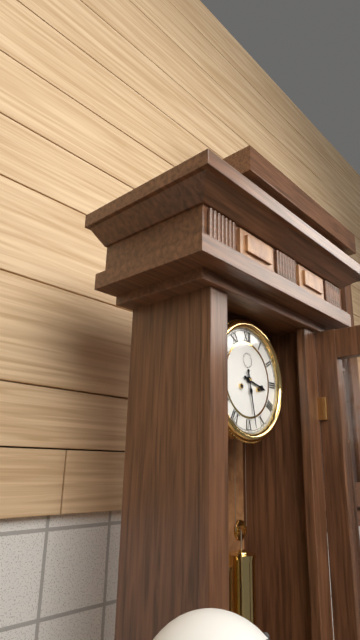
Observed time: 3:28
